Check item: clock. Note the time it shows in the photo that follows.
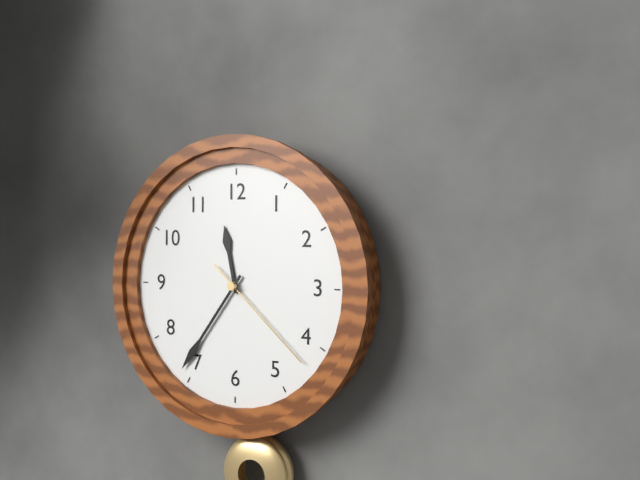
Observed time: 11:36:22
